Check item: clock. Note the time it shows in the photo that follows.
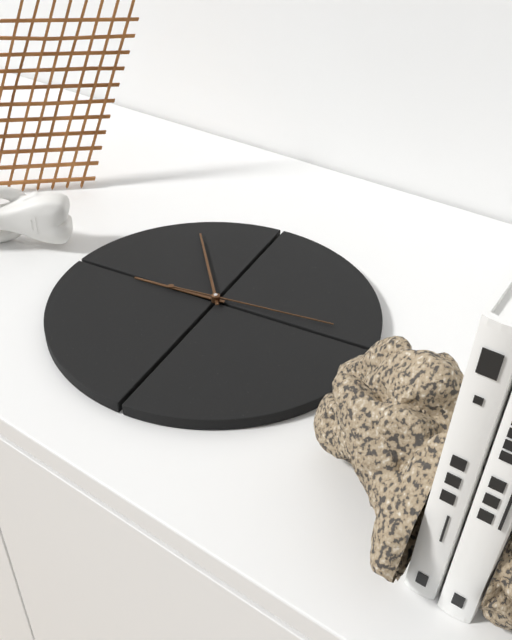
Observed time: 8:54:14
